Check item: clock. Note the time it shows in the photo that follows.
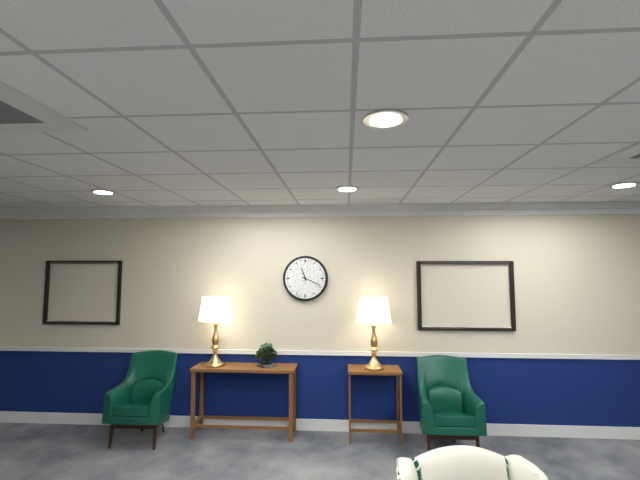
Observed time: 11:19
